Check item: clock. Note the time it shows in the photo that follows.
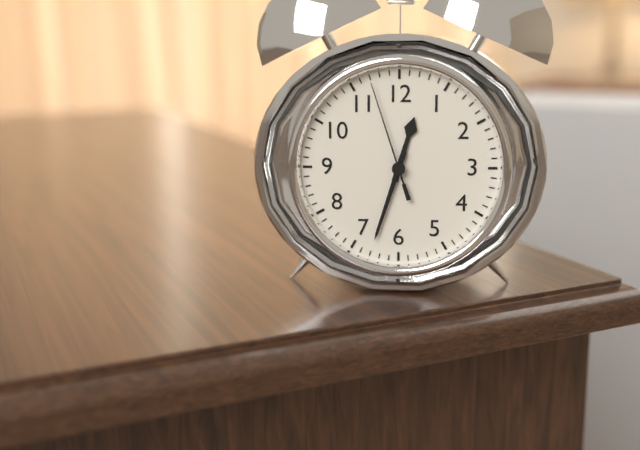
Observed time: 12:33:57
